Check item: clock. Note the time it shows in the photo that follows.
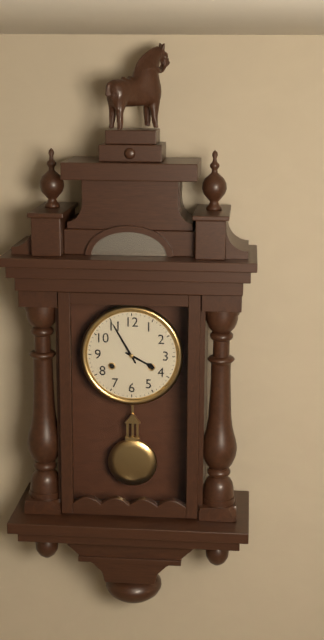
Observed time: 3:55
